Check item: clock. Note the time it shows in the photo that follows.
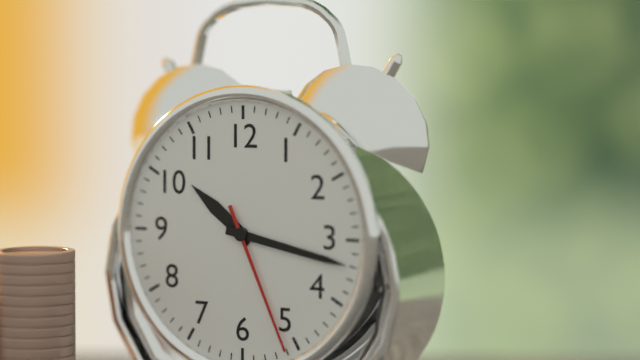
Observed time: 10:17:26
